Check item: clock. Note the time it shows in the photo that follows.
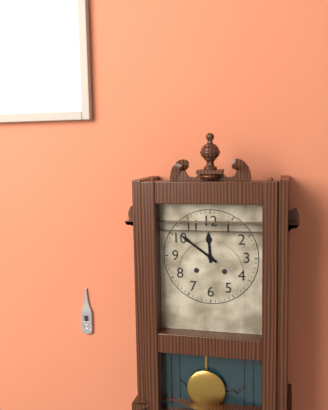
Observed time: 11:51
